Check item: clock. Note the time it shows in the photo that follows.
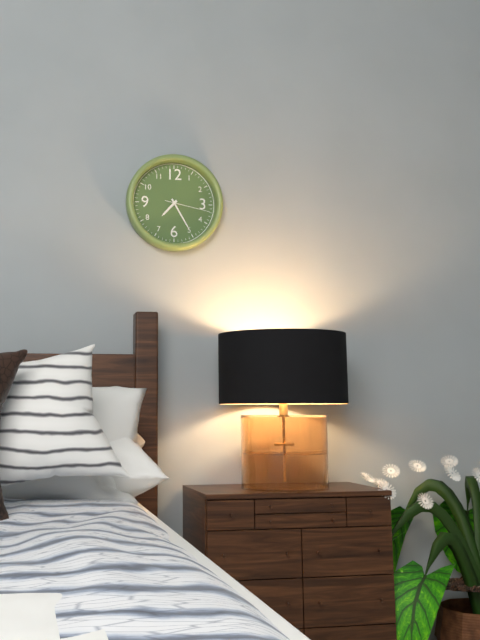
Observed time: 7:25
